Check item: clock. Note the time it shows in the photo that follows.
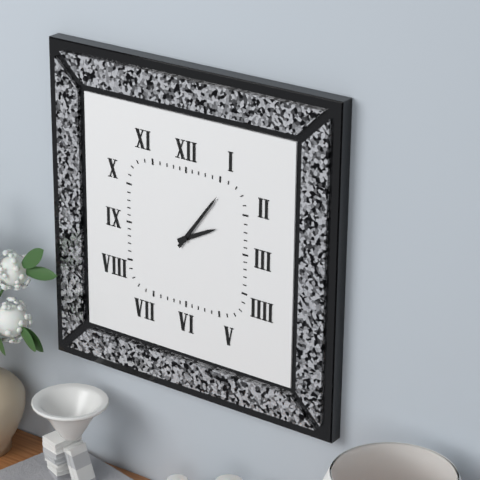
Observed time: 2:06
